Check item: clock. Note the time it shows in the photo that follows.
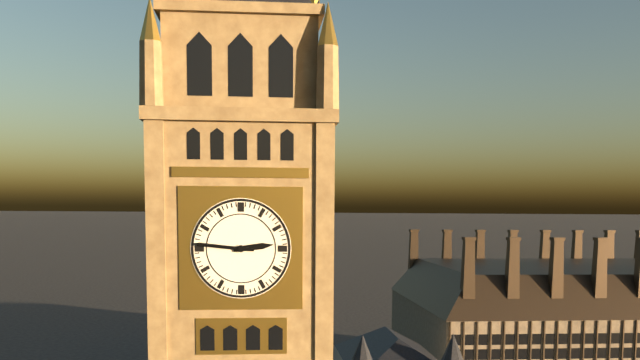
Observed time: 2:46
